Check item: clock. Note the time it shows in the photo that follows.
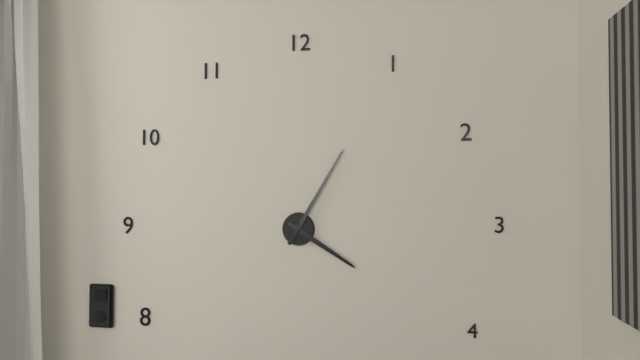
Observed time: 4:05
